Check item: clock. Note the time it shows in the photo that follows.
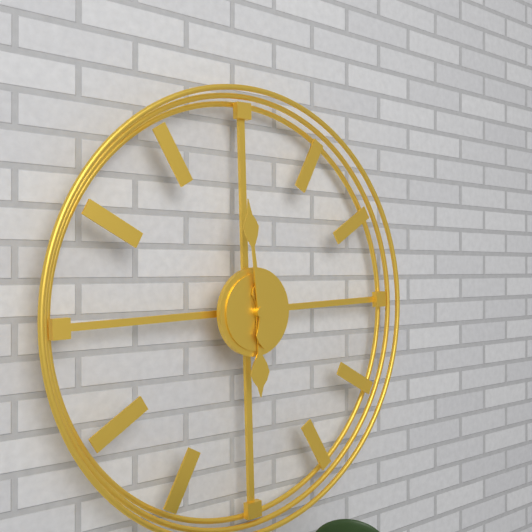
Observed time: 5:59
